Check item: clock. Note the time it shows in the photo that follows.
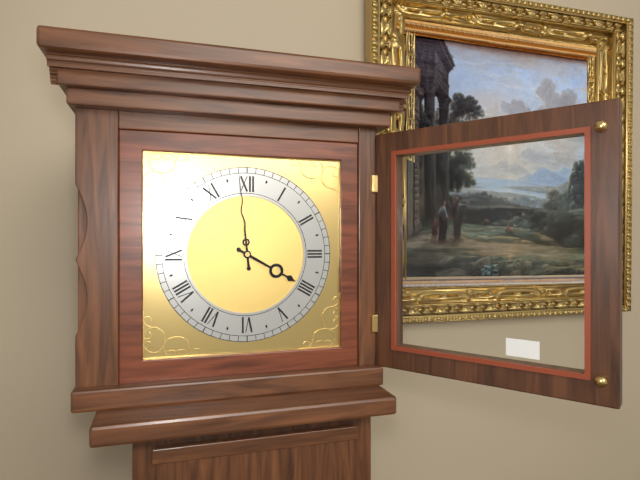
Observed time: 3:59
